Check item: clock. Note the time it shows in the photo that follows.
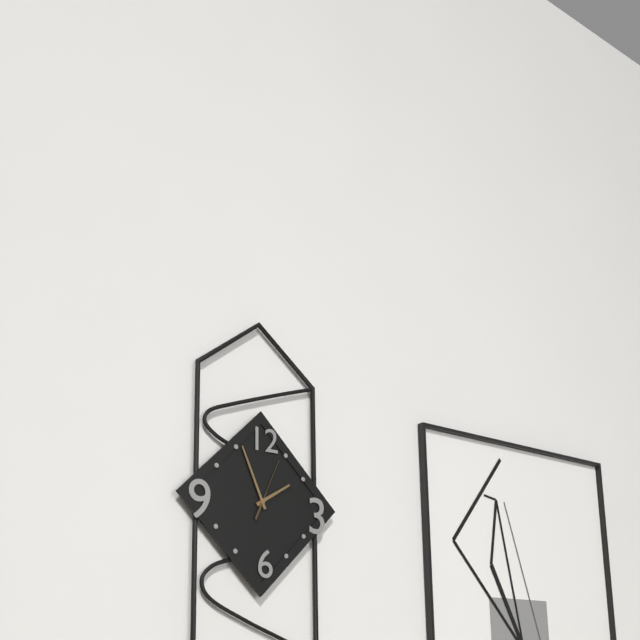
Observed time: 1:56:04
